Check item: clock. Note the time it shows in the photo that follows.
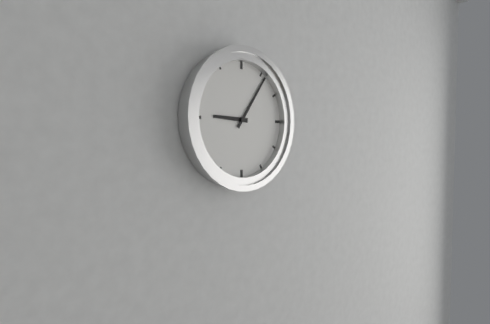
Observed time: 9:06
